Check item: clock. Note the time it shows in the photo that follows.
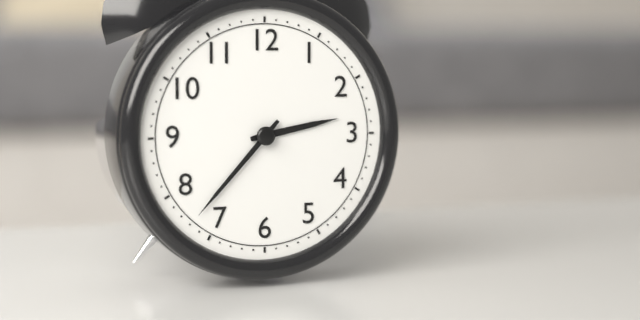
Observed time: 2:37
